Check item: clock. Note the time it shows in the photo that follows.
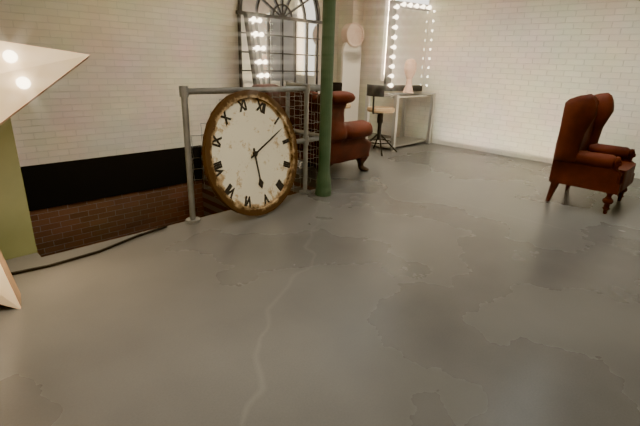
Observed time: 5:07
